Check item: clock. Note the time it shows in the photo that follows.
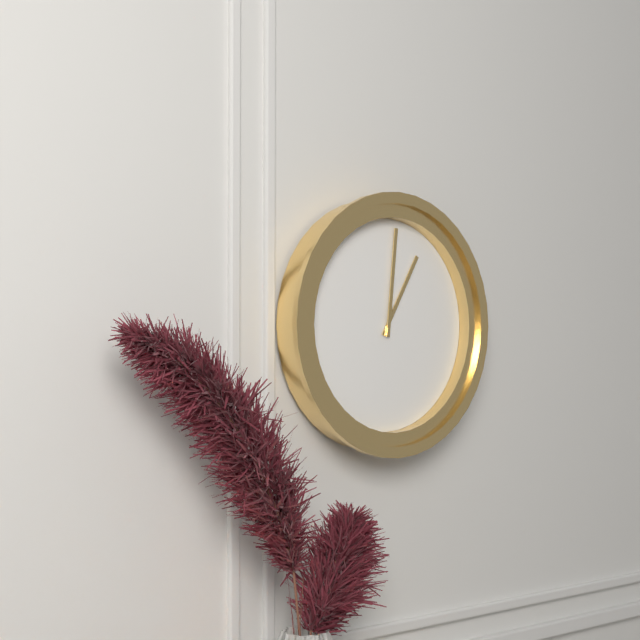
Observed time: 1:01
